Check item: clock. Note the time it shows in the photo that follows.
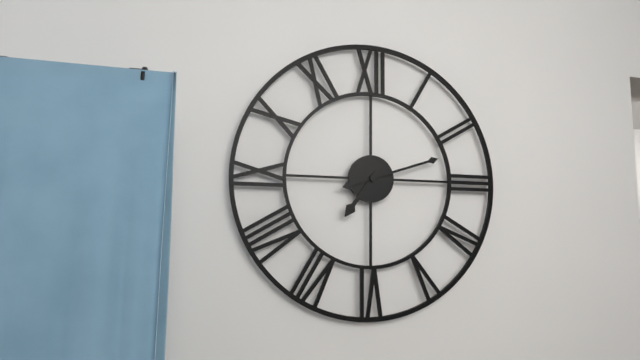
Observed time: 7:12
